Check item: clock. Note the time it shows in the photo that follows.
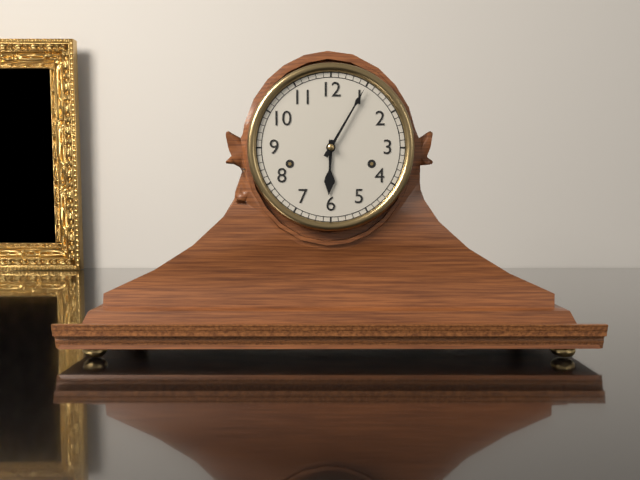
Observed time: 6:05
